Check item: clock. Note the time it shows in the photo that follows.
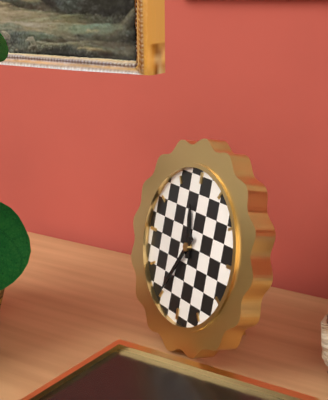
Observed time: 11:35
